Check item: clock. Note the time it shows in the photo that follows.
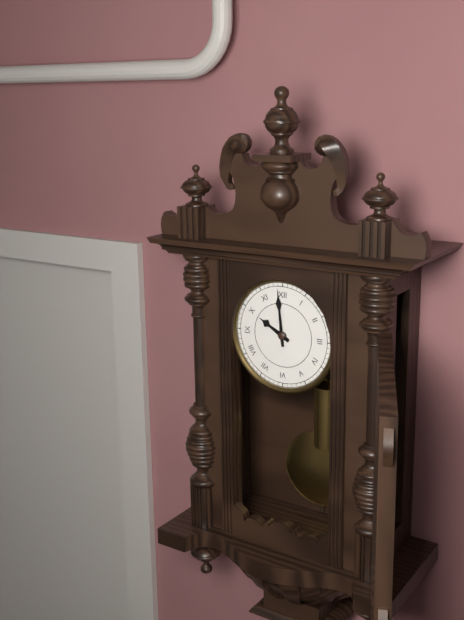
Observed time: 9:59
